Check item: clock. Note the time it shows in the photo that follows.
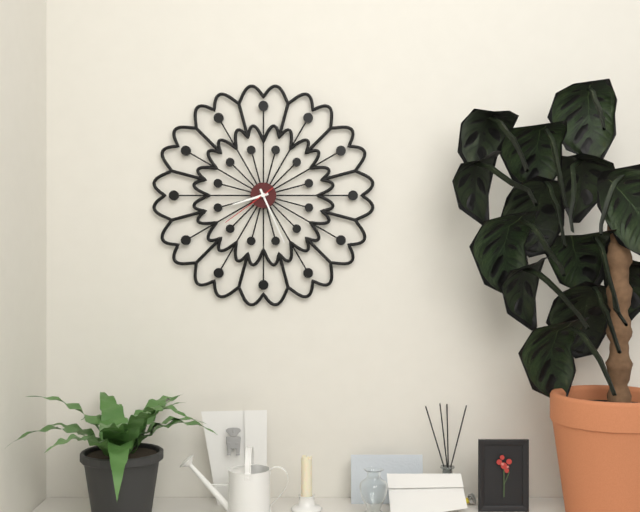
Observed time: 8:26:39
